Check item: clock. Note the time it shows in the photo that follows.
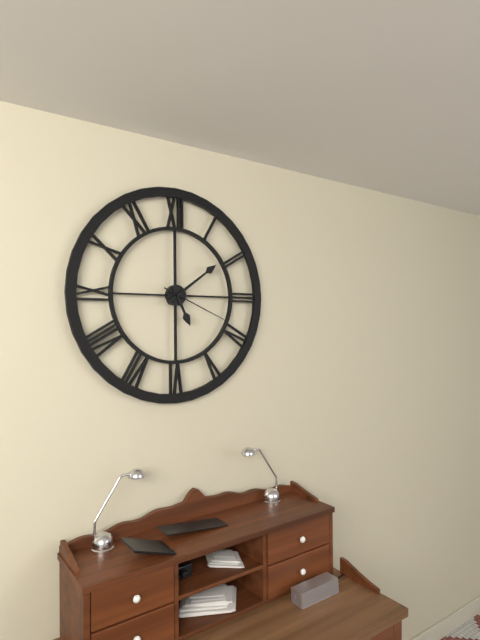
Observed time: 5:09:19
